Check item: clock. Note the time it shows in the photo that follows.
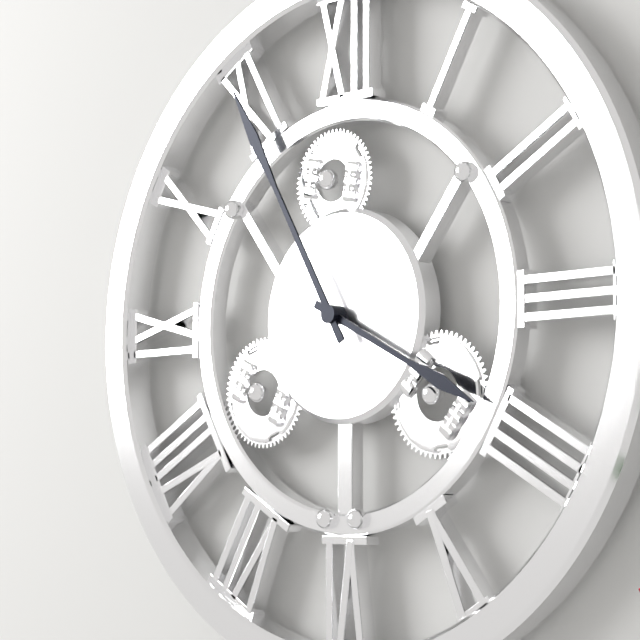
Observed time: 3:55
